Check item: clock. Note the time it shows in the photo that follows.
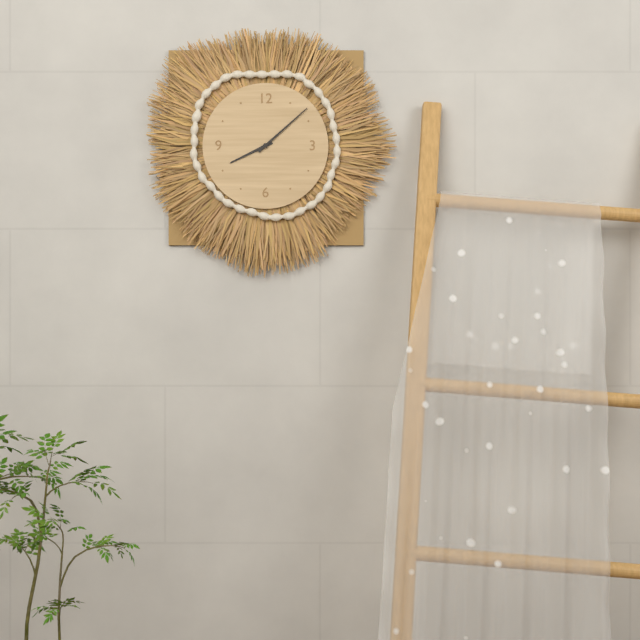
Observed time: 8:08
